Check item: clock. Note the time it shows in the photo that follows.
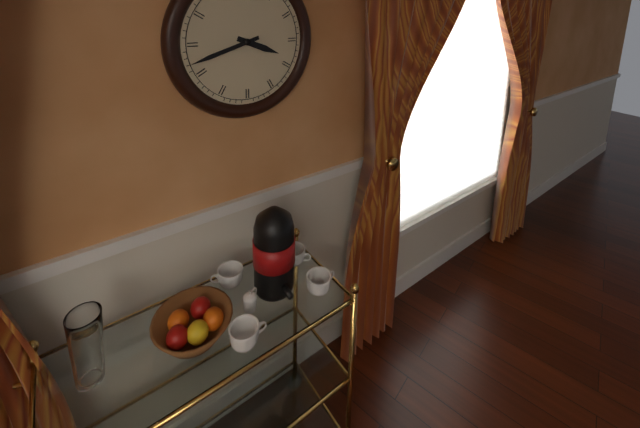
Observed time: 3:42
